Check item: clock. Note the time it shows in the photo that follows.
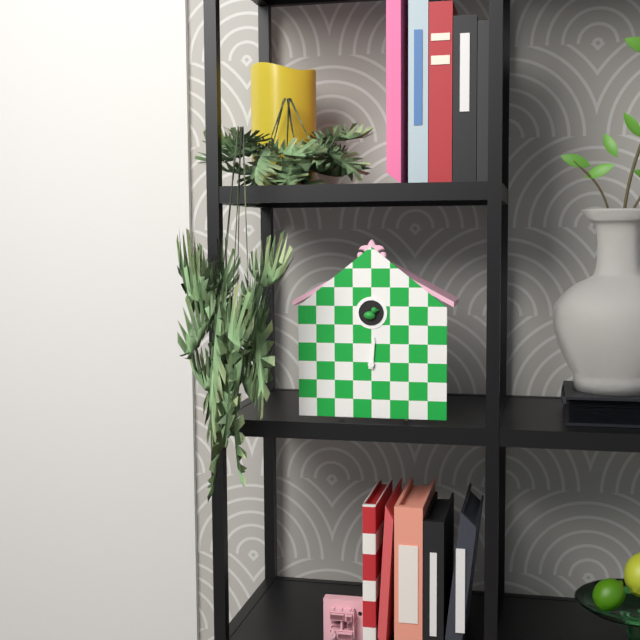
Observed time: 12:01
